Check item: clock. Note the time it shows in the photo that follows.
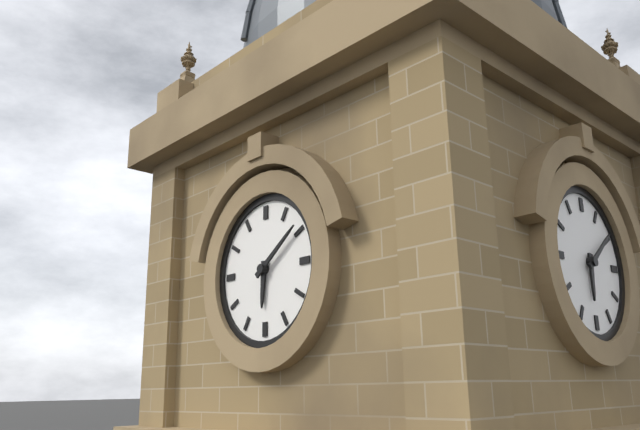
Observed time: 6:09
